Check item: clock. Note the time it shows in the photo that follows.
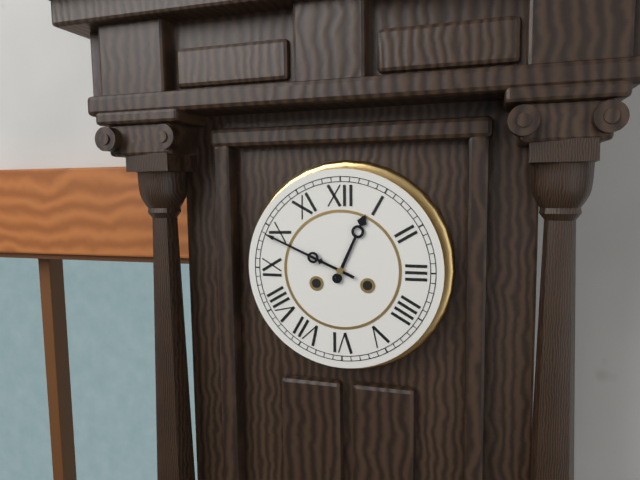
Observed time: 12:49
